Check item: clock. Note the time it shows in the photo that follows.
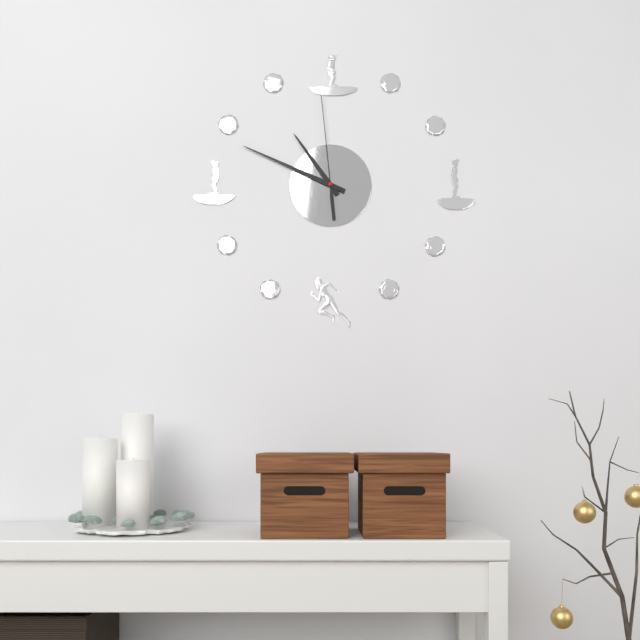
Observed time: 10:49:59
